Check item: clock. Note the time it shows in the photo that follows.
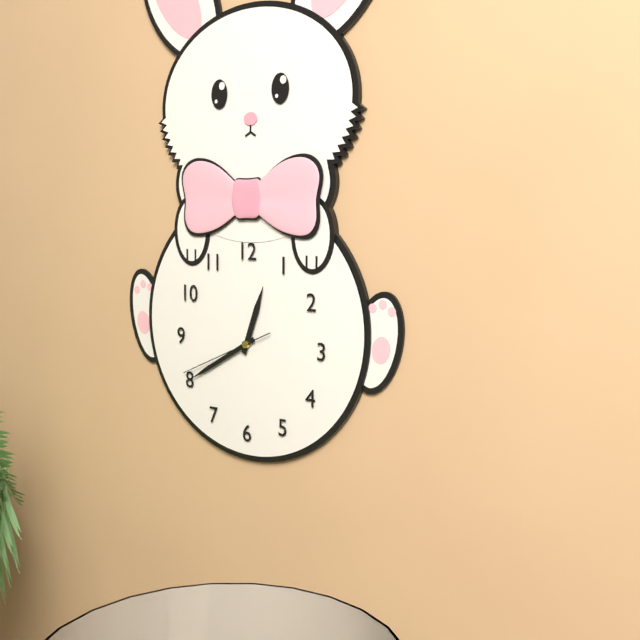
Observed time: 12:40:41
